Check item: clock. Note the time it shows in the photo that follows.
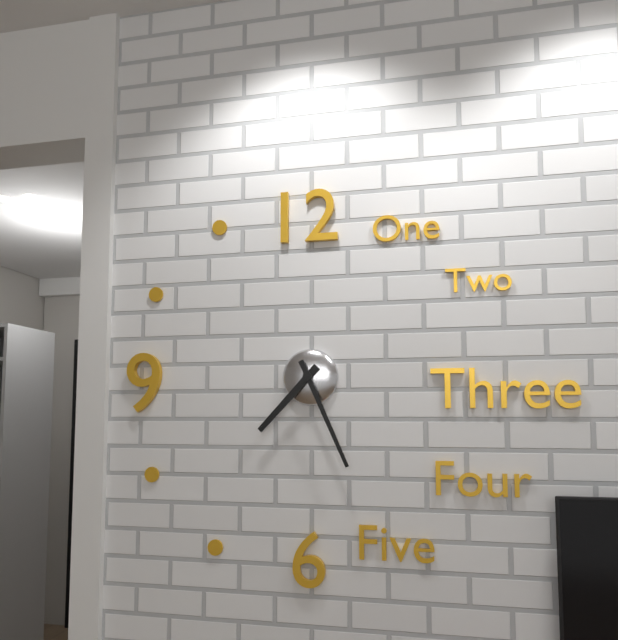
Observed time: 7:26
